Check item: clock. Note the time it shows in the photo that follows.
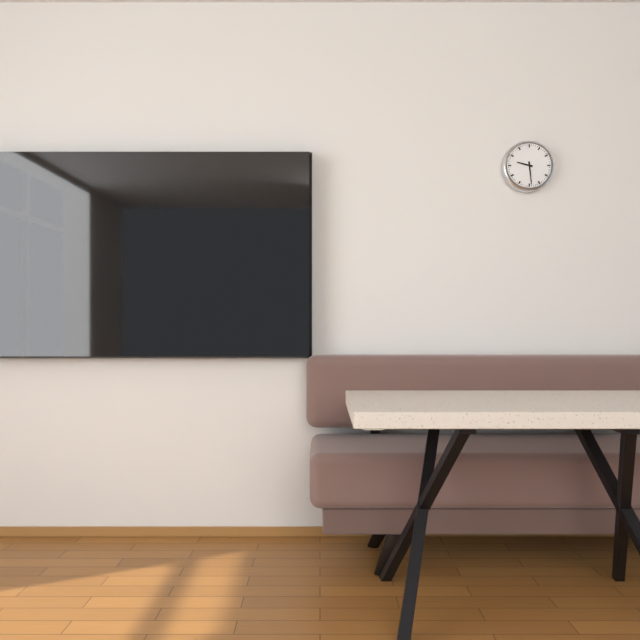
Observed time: 9:29
